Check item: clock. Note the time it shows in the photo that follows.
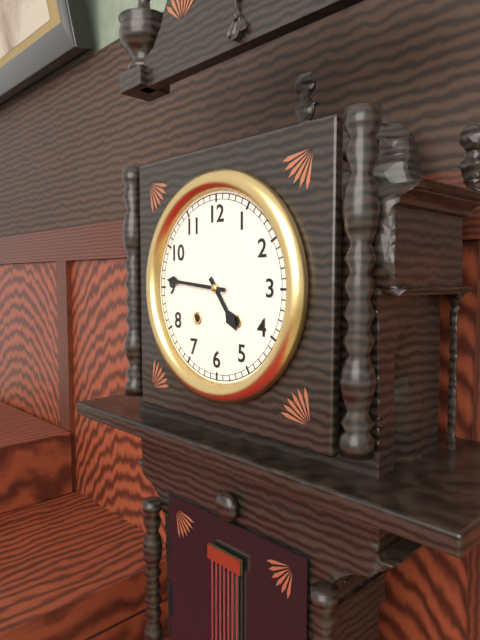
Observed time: 4:46
